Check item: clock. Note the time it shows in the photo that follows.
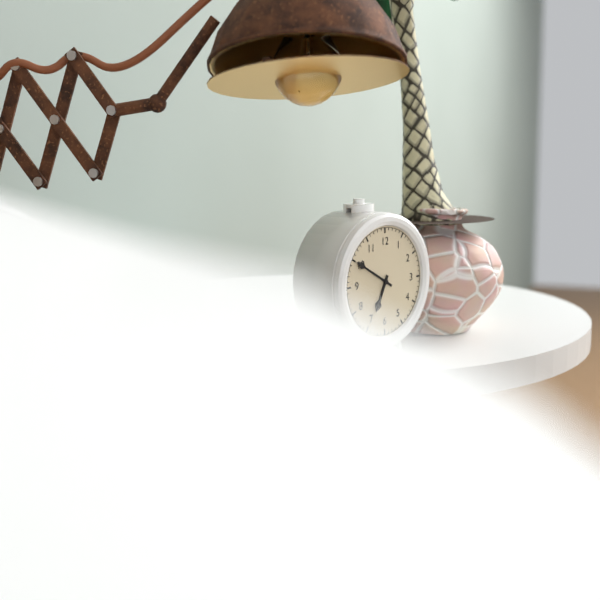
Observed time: 6:50
